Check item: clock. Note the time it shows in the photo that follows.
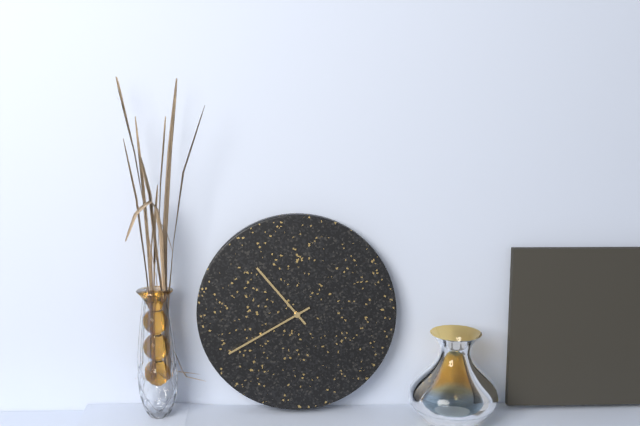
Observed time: 10:40
